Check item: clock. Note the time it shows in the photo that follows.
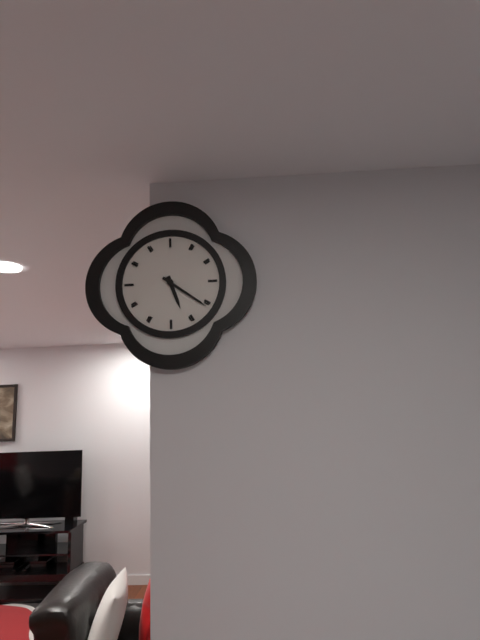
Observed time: 5:21
